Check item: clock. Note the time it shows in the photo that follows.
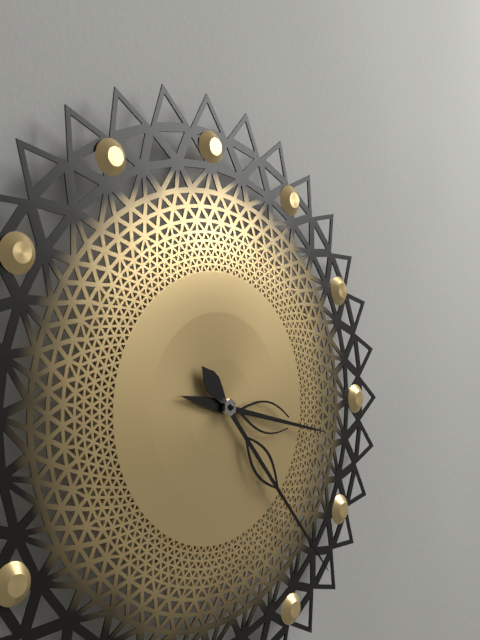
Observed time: 3:23
